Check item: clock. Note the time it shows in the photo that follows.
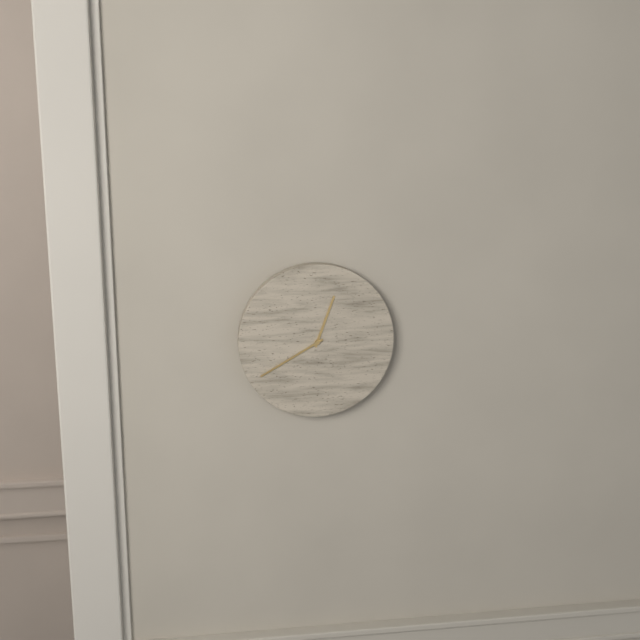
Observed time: 12:40
